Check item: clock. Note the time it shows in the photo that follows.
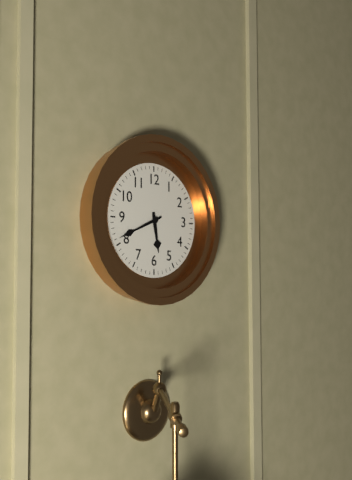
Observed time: 5:41
